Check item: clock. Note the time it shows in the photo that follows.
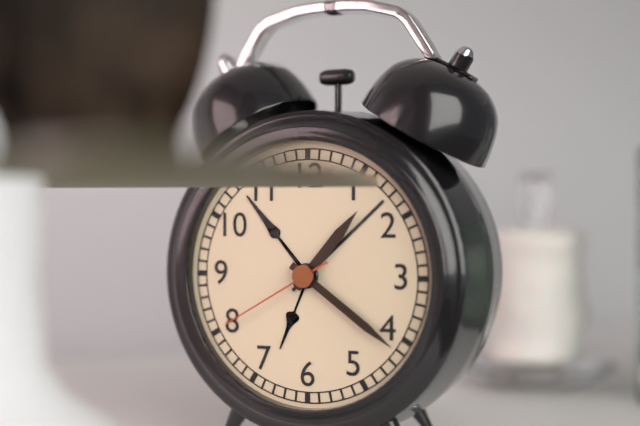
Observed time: 1:21:40
